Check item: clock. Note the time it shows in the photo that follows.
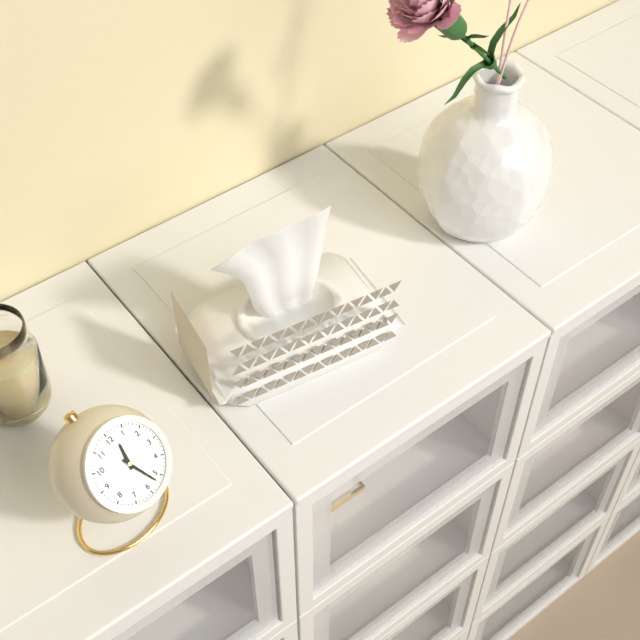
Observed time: 12:27
